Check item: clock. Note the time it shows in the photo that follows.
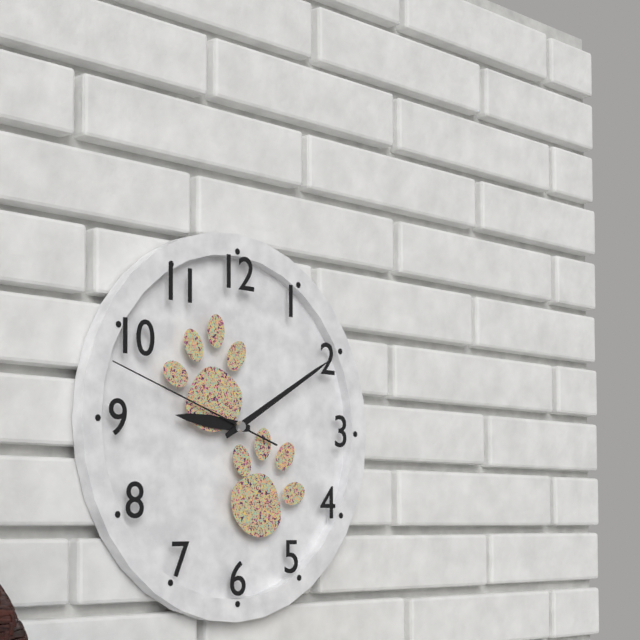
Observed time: 9:10:48
